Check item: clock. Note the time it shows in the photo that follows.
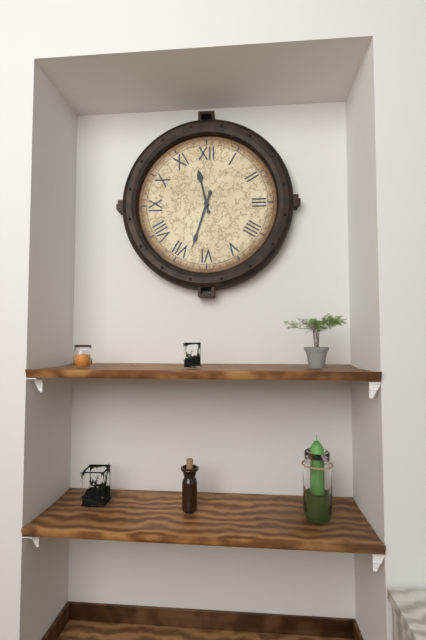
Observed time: 11:33
